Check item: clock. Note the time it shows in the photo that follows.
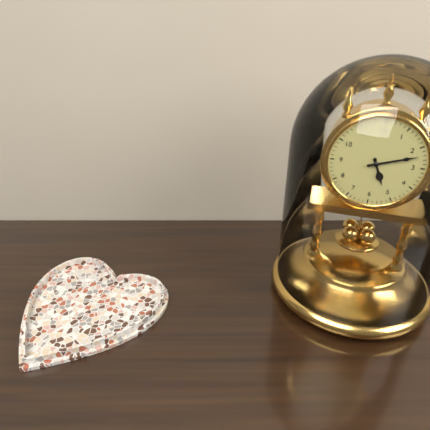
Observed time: 5:12
